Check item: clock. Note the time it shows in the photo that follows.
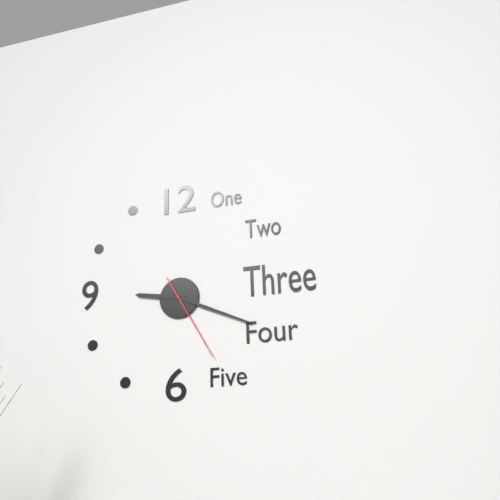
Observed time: 9:19:25
